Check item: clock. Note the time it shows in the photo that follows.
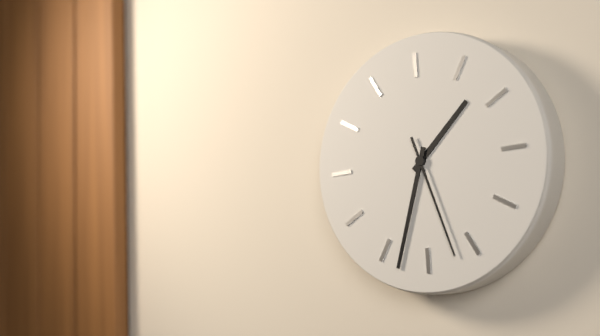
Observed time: 1:33:27
